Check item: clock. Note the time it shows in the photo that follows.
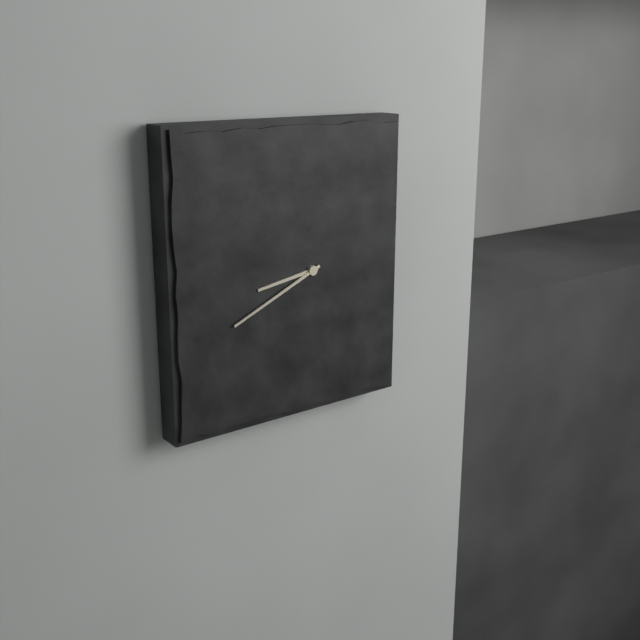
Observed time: 8:41
